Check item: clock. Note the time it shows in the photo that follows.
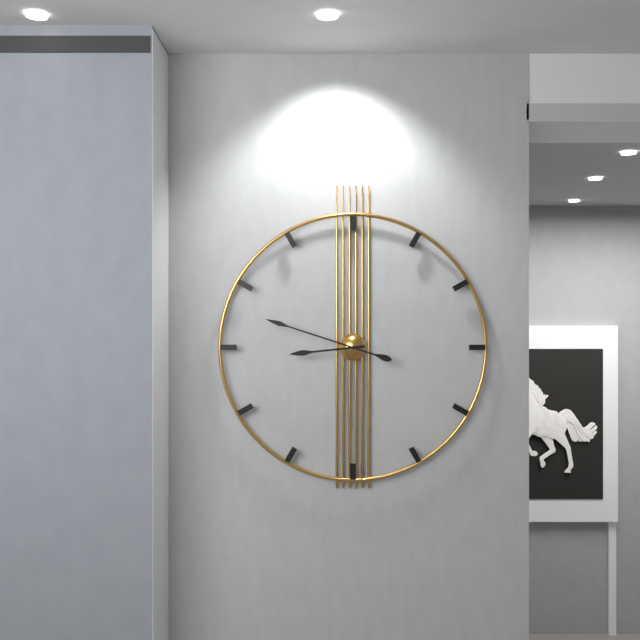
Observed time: 8:48
